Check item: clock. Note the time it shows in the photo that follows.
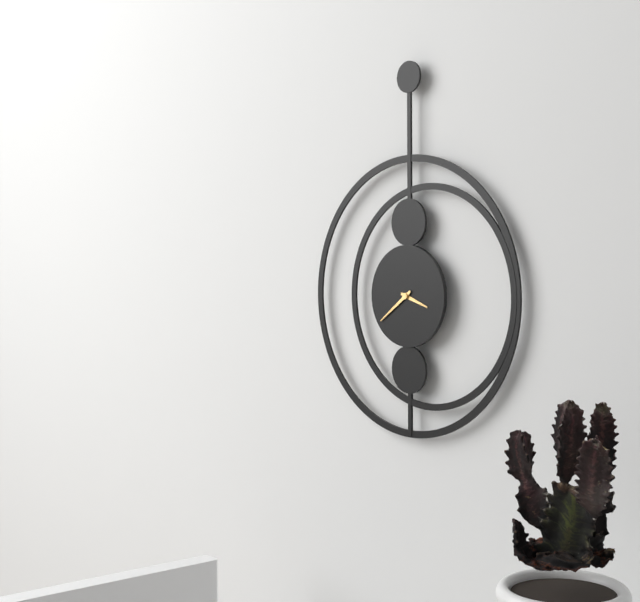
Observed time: 3:39
